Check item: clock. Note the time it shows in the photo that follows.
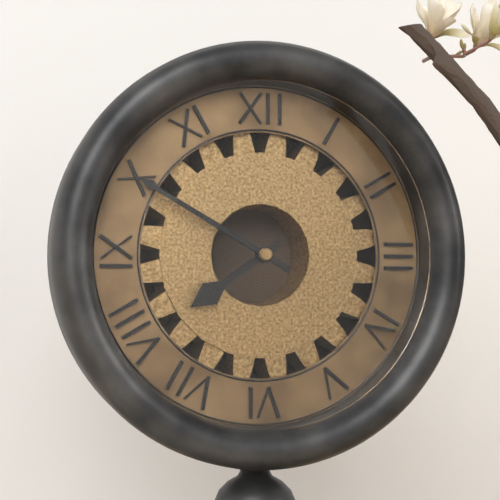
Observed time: 7:50
